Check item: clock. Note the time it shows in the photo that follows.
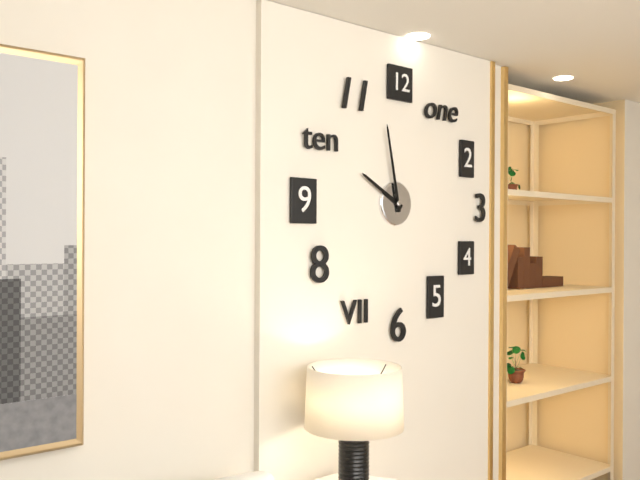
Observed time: 9:58
